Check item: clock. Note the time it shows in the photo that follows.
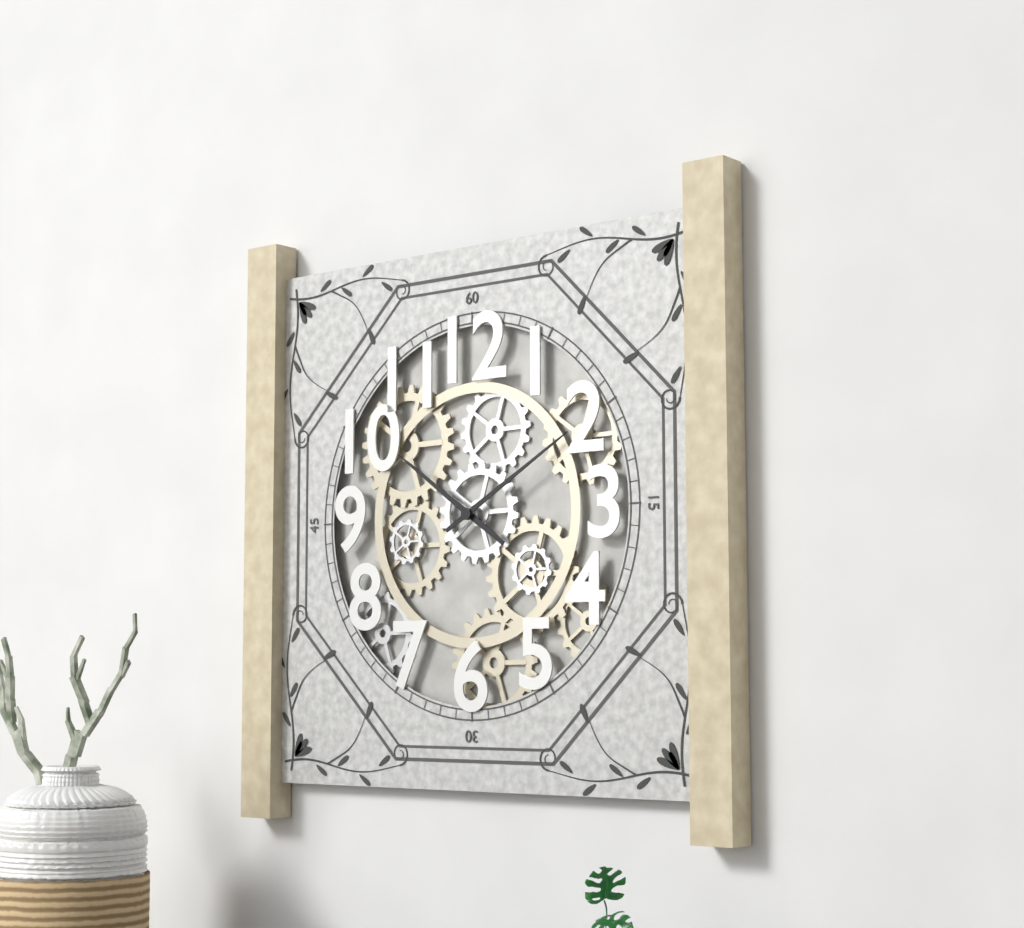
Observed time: 10:10
